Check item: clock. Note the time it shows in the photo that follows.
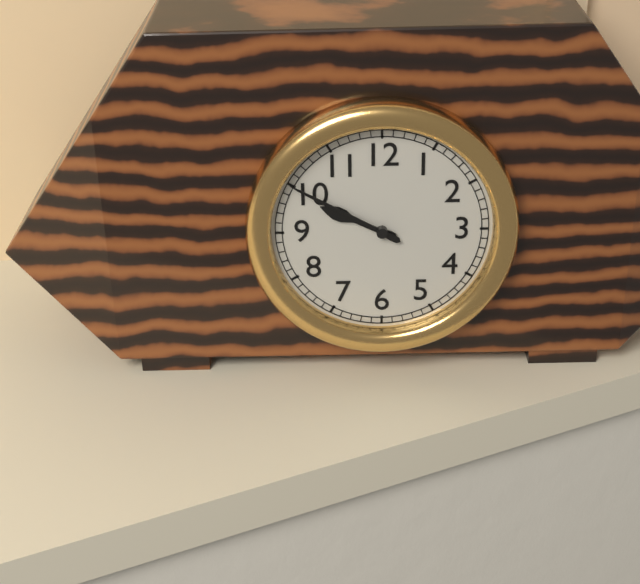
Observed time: 9:50
